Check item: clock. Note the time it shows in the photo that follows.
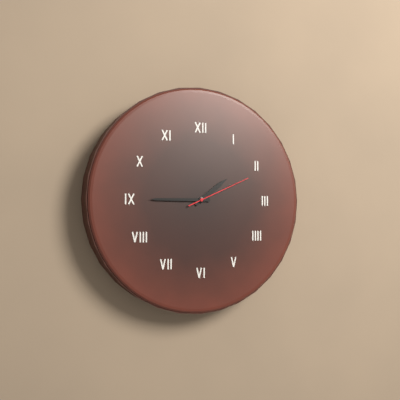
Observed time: 1:45:11
